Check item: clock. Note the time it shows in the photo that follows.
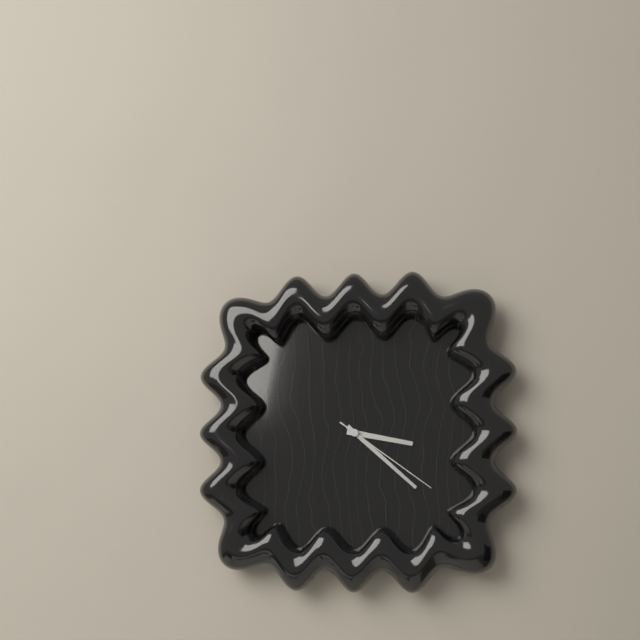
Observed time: 3:22:21
